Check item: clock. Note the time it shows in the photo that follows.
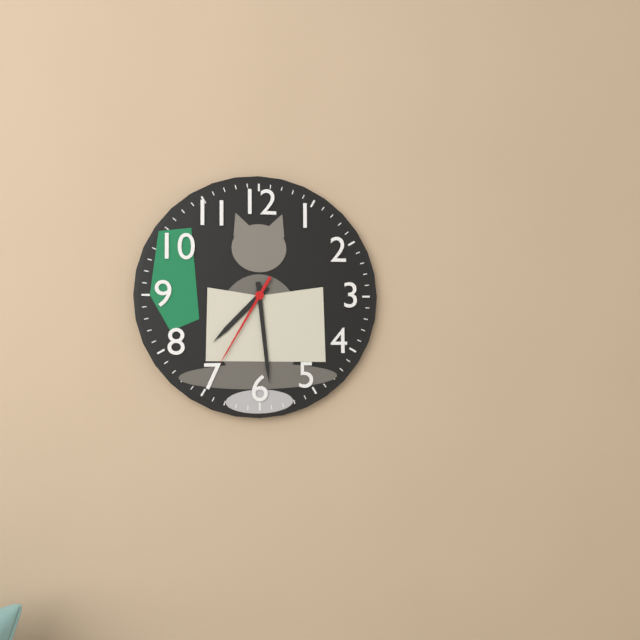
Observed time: 7:29:35
